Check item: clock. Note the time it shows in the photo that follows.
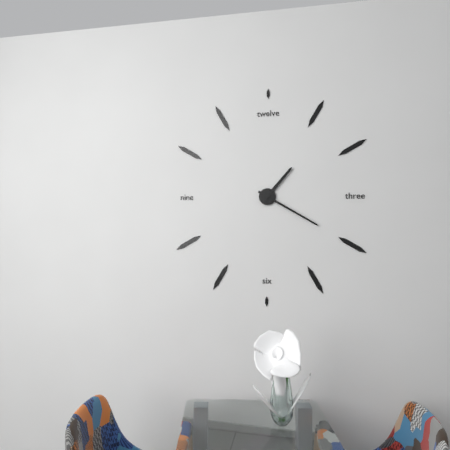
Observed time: 1:20
